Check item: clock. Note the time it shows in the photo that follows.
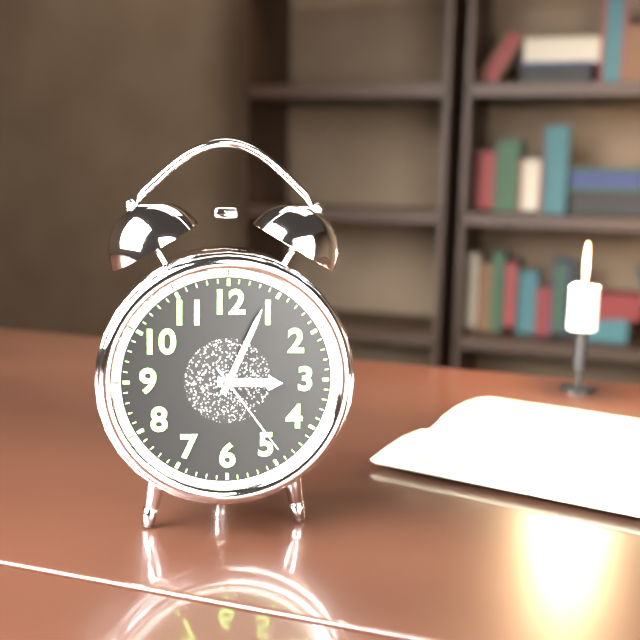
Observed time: 3:04:24
